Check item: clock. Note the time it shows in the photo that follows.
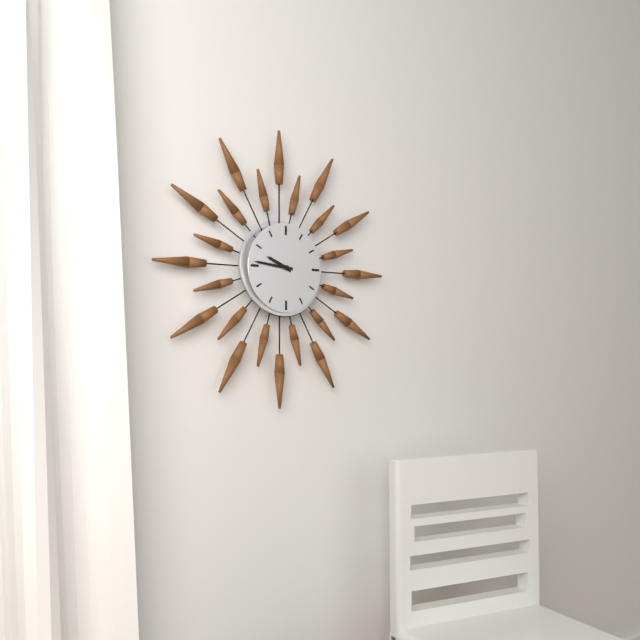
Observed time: 9:46
